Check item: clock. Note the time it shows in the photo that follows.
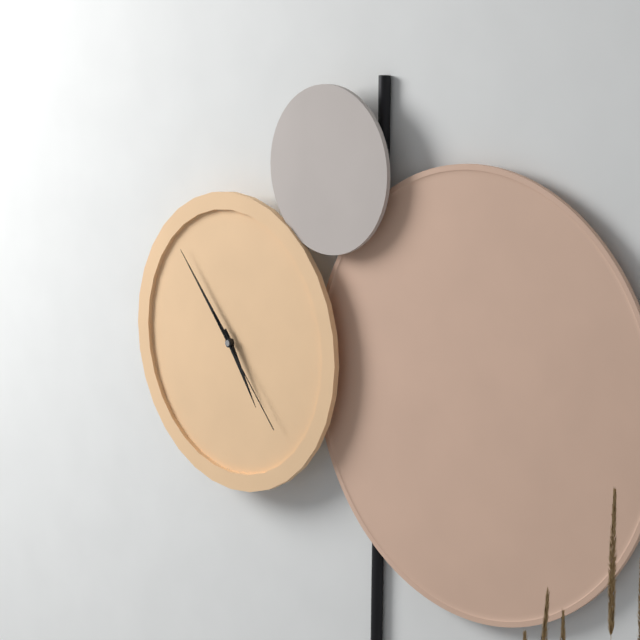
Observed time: 4:53:23
